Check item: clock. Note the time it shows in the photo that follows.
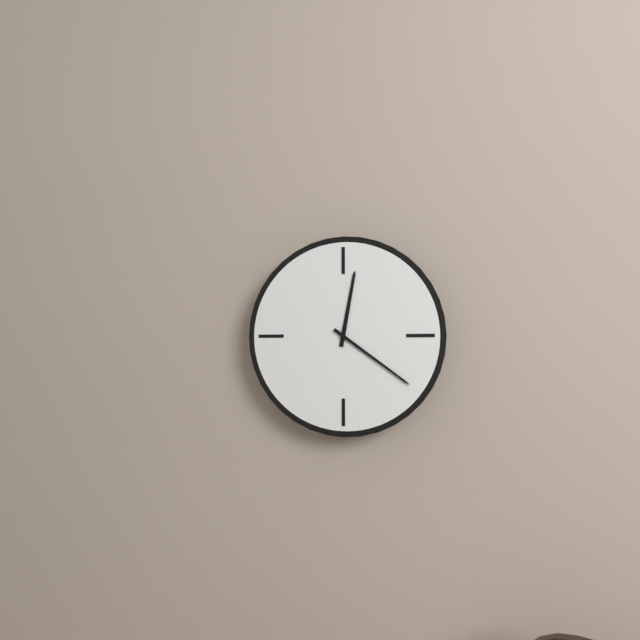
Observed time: 12:21
